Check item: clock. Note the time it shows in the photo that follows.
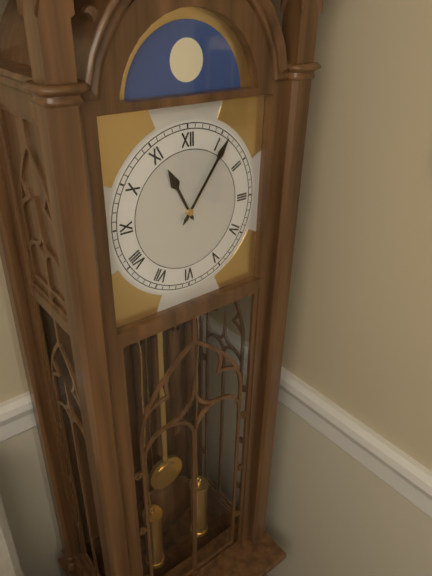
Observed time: 11:06
